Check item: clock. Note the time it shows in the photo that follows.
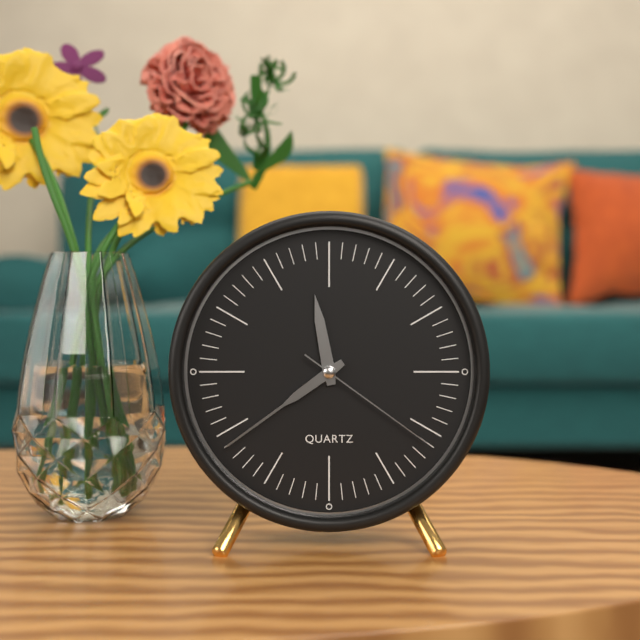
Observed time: 11:39:21
